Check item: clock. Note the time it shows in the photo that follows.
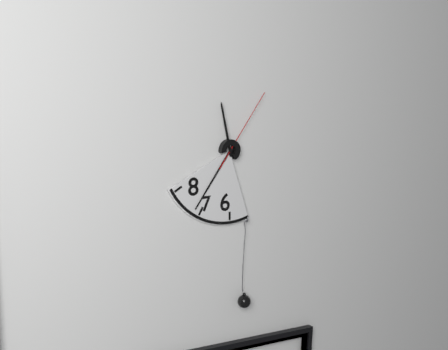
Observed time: 11:36:06
